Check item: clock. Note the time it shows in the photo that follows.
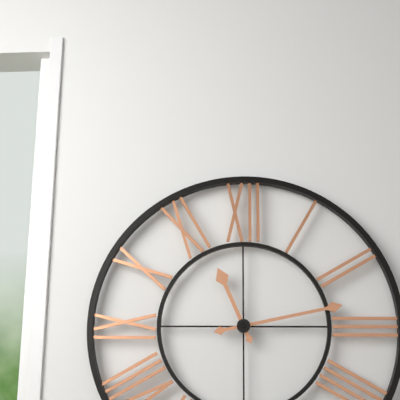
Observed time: 11:13
